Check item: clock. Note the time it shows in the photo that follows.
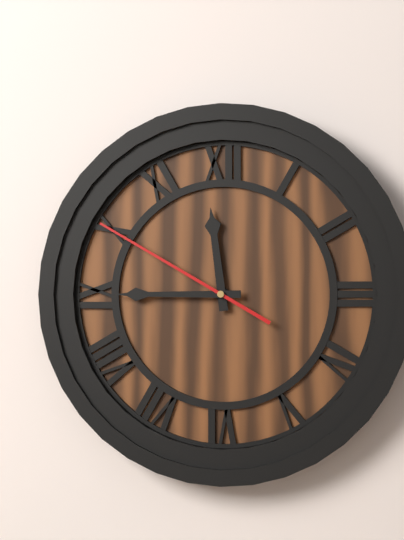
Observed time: 11:45:50
